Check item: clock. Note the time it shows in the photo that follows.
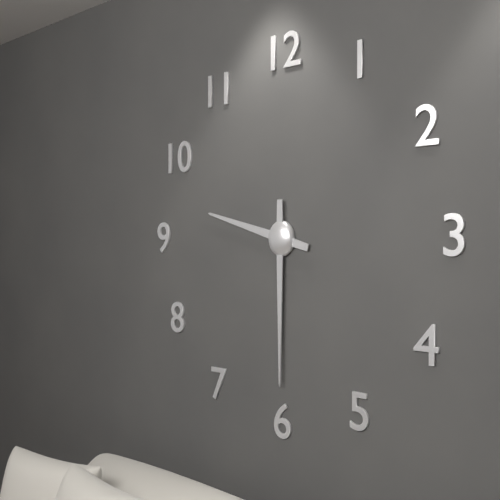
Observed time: 9:30
